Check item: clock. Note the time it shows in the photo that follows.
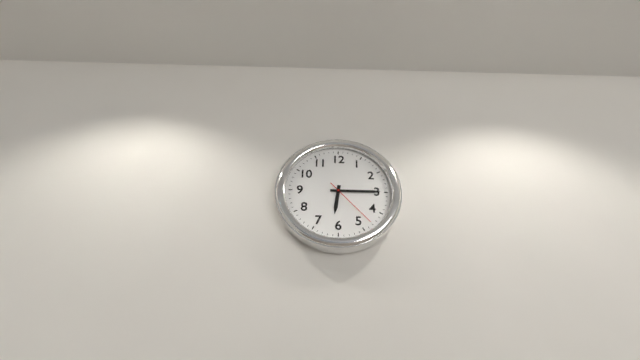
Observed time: 6:15:23
